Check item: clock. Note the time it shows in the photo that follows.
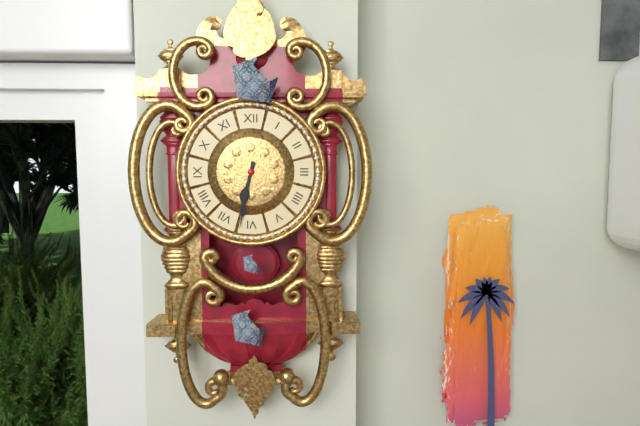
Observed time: 6:32
